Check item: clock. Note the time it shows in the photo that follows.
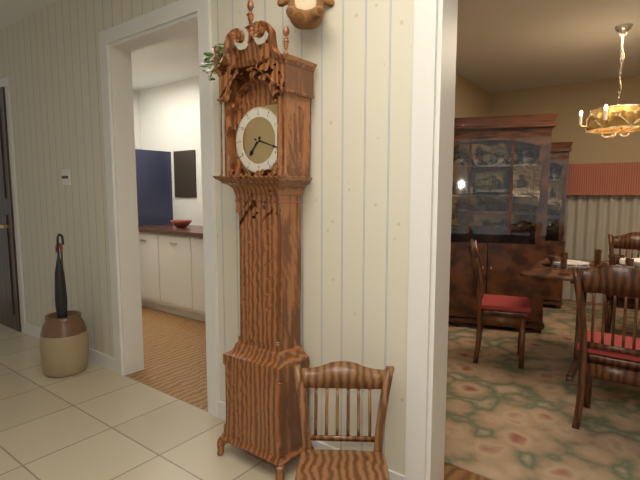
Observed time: 7:18
